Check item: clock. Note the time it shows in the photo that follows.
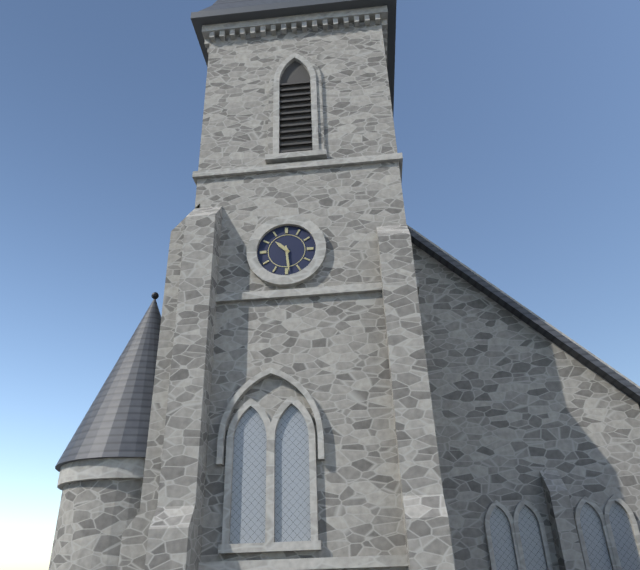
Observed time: 10:29
